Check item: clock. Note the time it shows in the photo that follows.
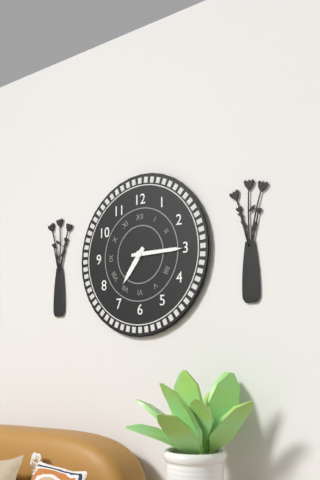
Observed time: 7:15
